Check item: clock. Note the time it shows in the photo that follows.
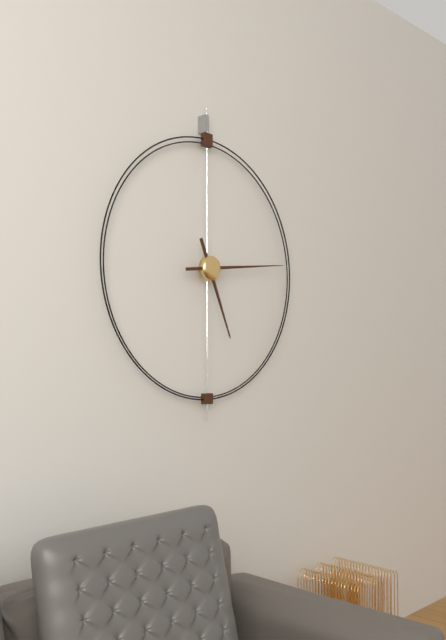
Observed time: 5:14
